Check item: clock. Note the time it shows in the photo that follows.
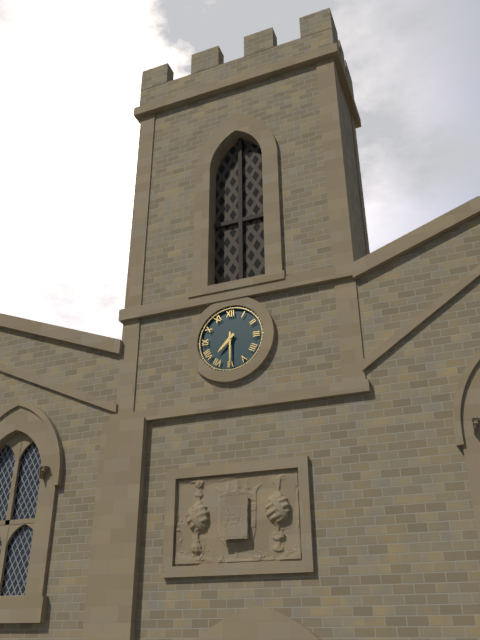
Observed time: 7:30
